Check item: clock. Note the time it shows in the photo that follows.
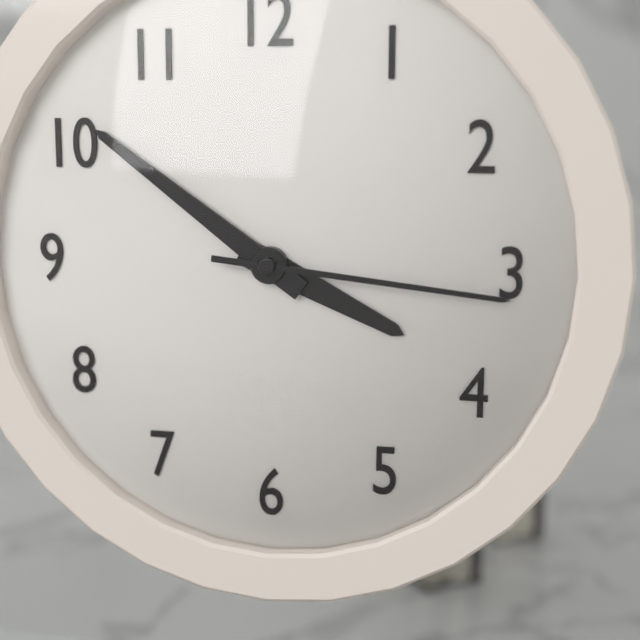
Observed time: 3:51:16
